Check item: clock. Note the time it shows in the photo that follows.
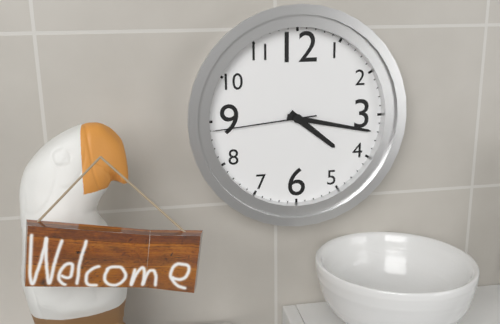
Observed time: 4:17:44
